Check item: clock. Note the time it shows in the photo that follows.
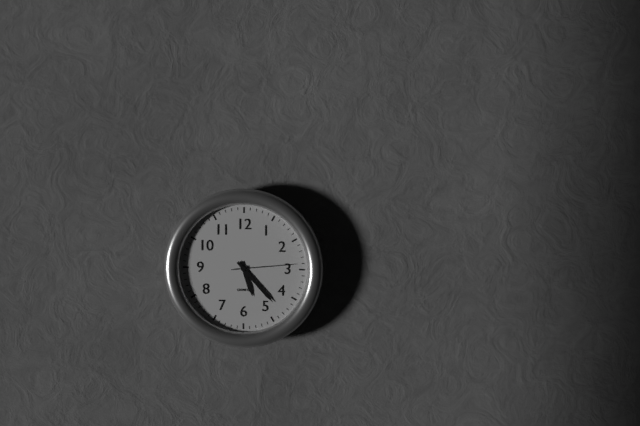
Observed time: 5:23:14
